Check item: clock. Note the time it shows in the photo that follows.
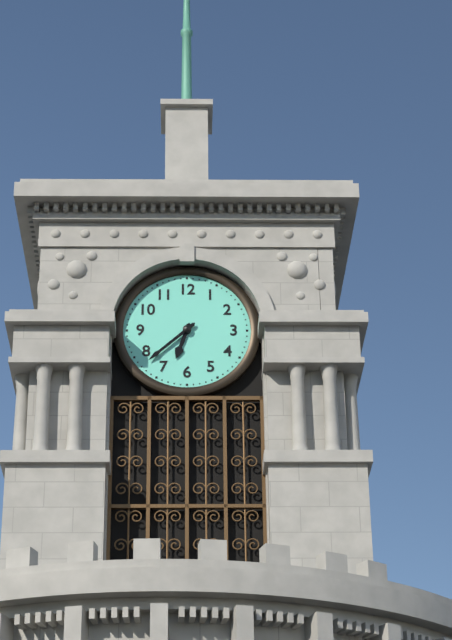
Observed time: 6:38
